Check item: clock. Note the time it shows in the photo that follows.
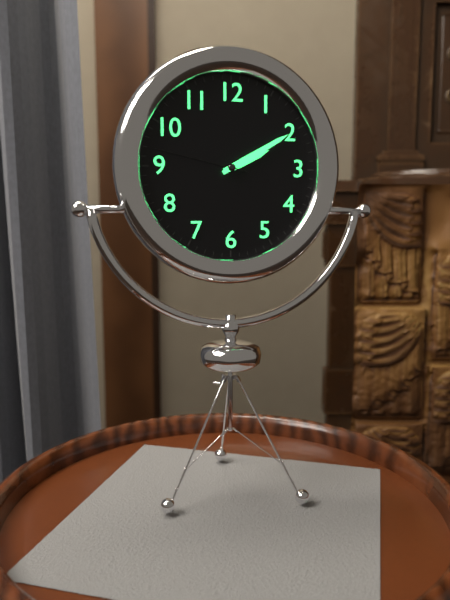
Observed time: 2:10:47
